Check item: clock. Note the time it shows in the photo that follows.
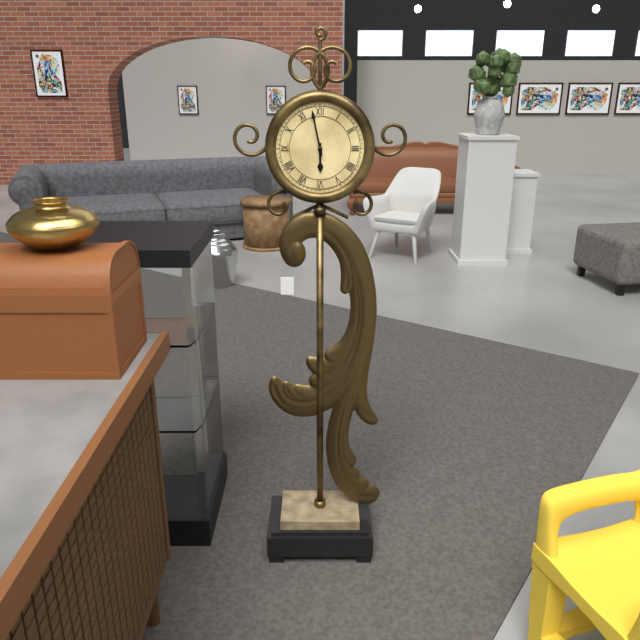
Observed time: 5:58
